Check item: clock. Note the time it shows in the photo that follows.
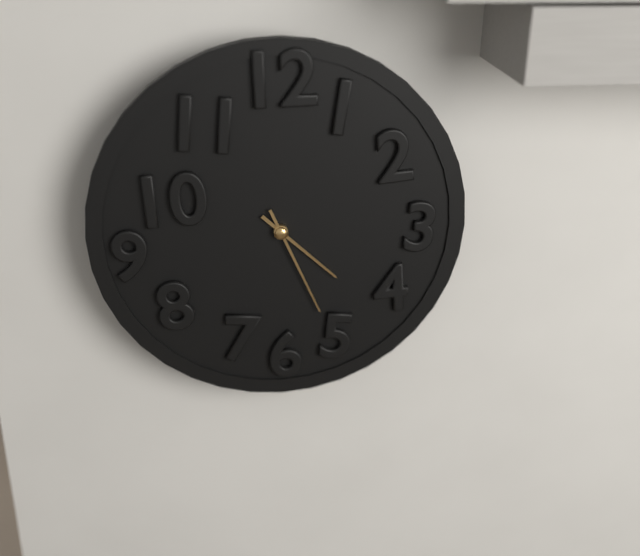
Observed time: 4:26
